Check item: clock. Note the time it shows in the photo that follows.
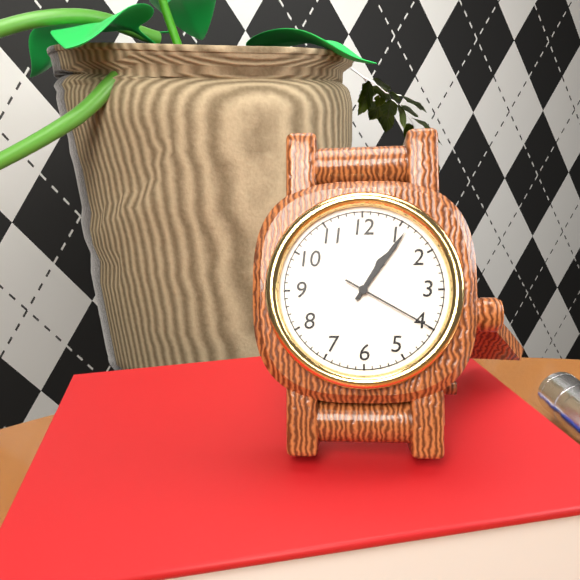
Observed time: 1:06:20
